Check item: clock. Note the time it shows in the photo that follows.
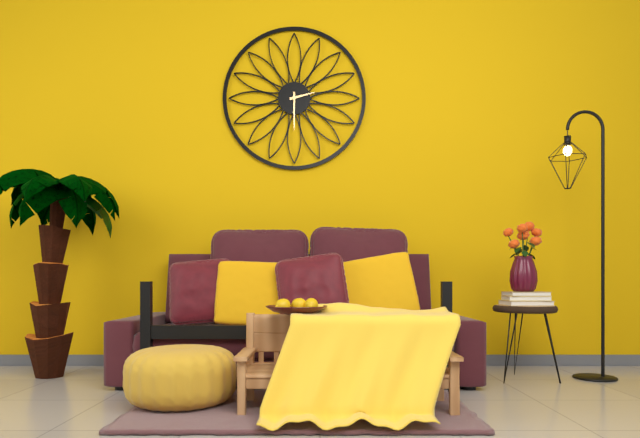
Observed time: 2:30
